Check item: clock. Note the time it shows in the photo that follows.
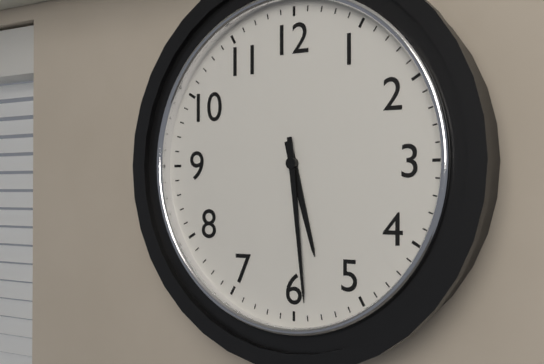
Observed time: 5:29
